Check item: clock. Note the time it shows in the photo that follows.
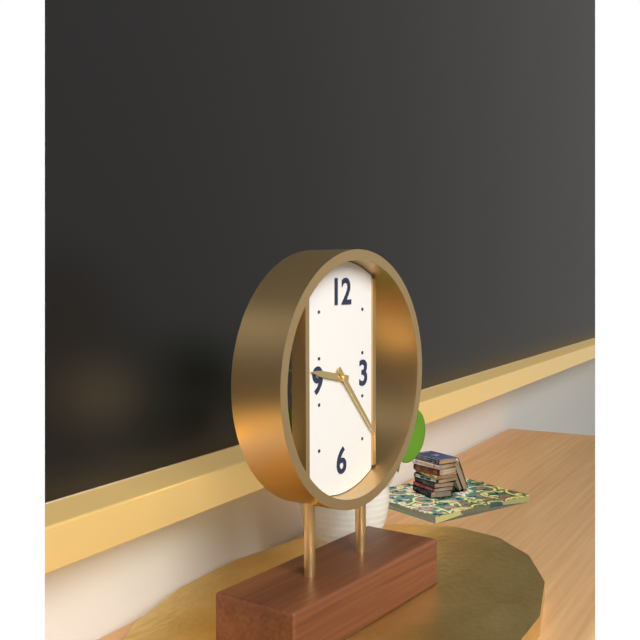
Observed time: 9:23
